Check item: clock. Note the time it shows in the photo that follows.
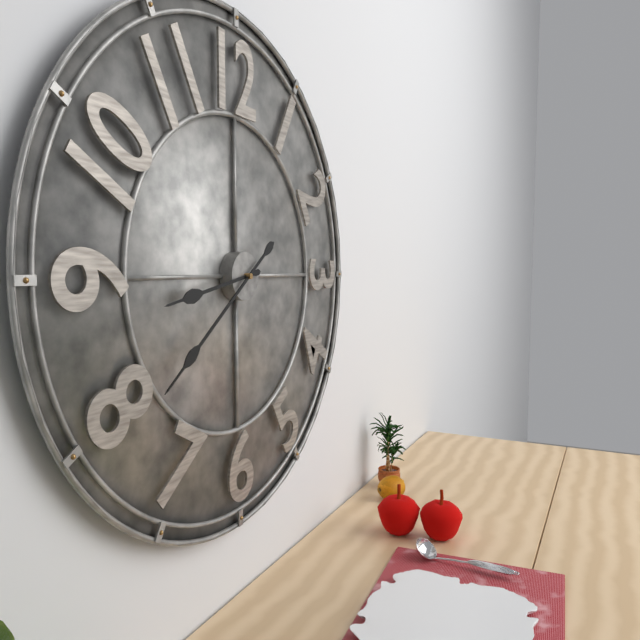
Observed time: 8:39
